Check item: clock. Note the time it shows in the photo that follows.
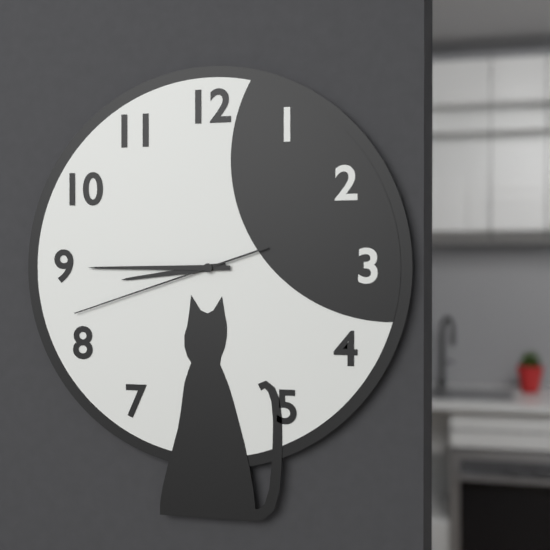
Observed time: 8:45:42
